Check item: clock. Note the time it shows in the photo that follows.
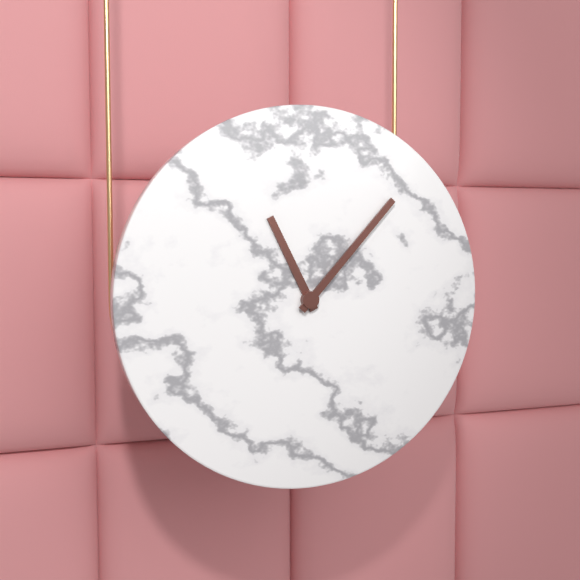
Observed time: 11:07
